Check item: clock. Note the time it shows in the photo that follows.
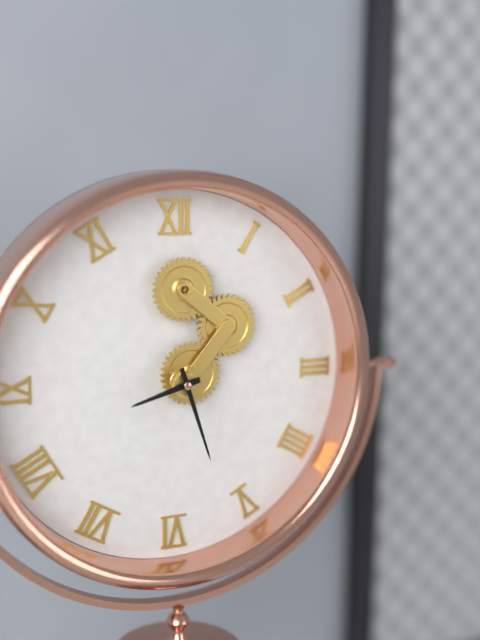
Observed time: 8:27
